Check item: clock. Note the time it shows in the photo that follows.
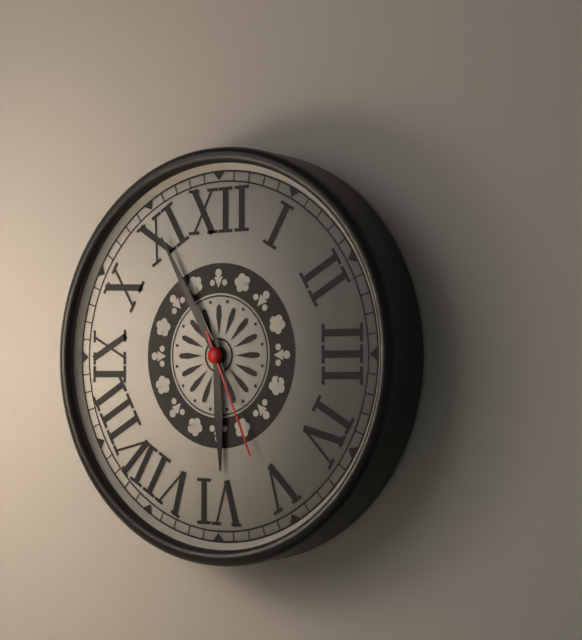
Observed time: 5:55:26
